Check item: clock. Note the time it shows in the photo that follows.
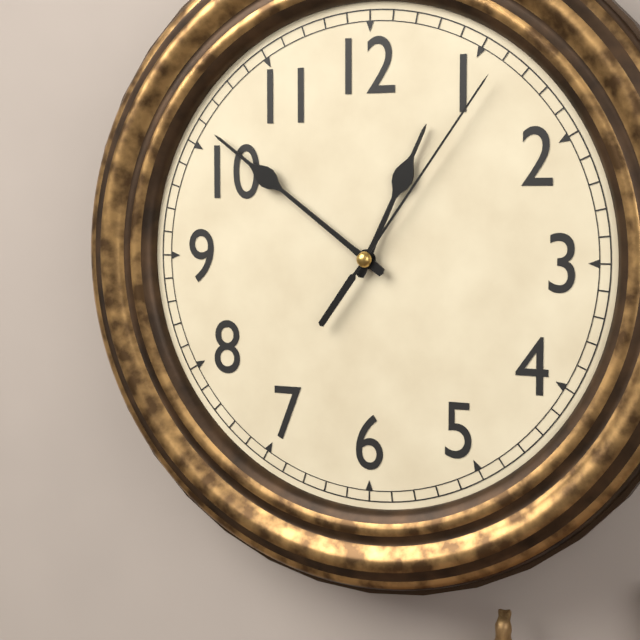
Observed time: 12:51:06
